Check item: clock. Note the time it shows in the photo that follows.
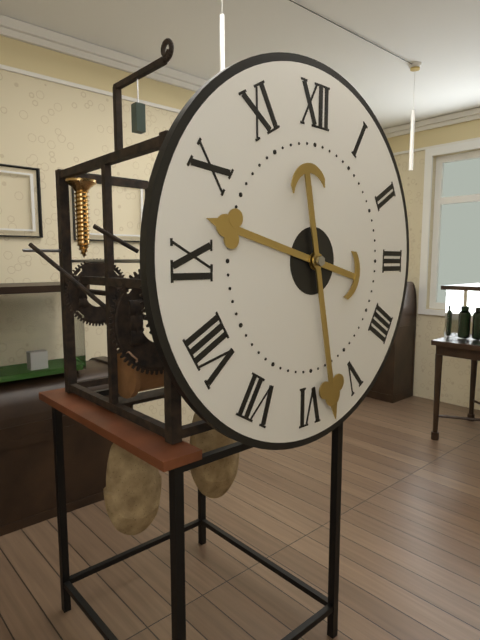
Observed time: 9:28
